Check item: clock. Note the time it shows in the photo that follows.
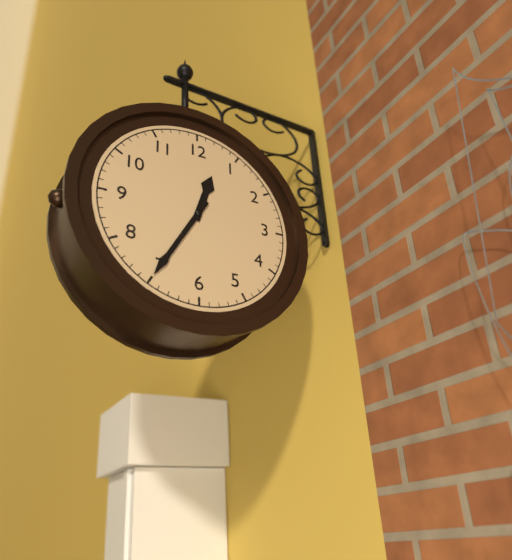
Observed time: 12:35
